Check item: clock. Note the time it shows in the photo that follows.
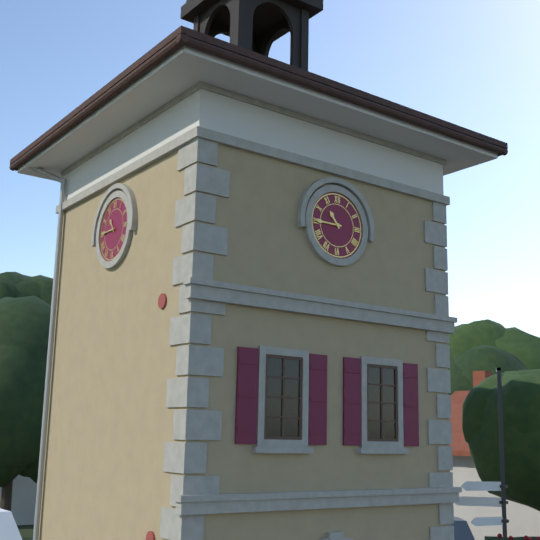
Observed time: 10:45
